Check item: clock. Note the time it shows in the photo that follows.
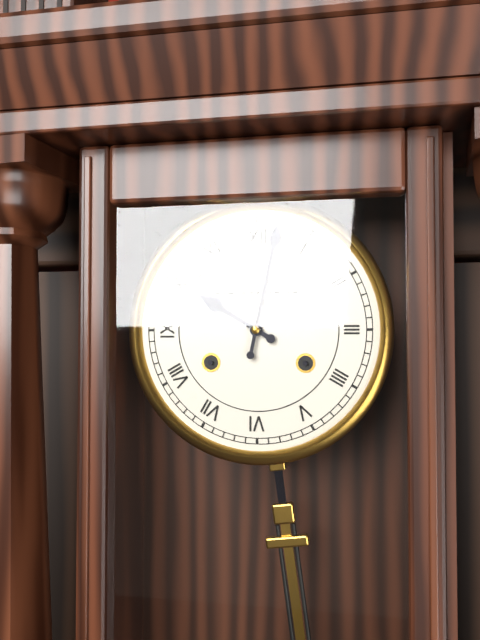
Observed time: 10:02
